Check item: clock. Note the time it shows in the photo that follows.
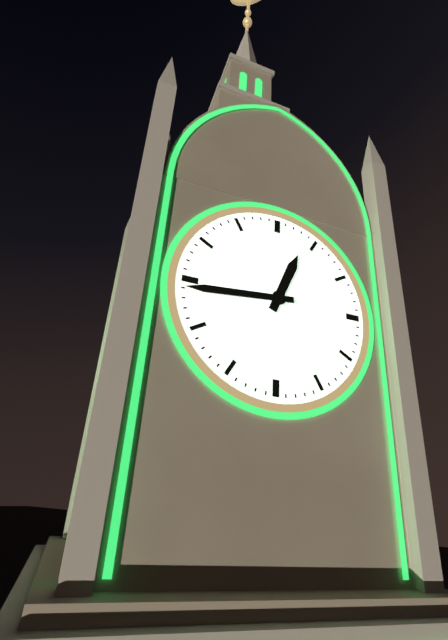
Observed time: 12:44
